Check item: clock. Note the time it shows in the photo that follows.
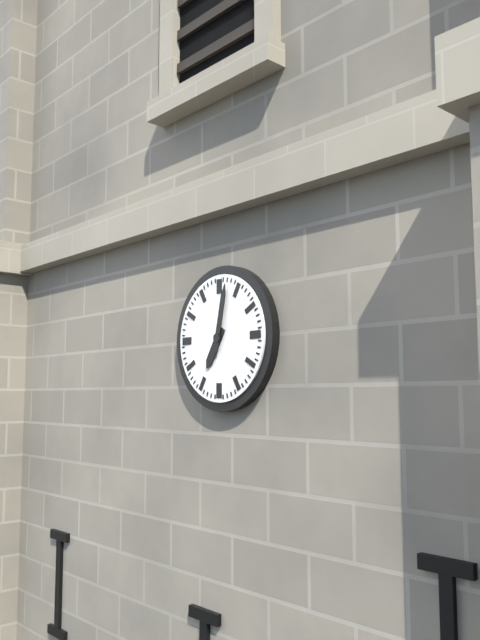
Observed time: 7:02
